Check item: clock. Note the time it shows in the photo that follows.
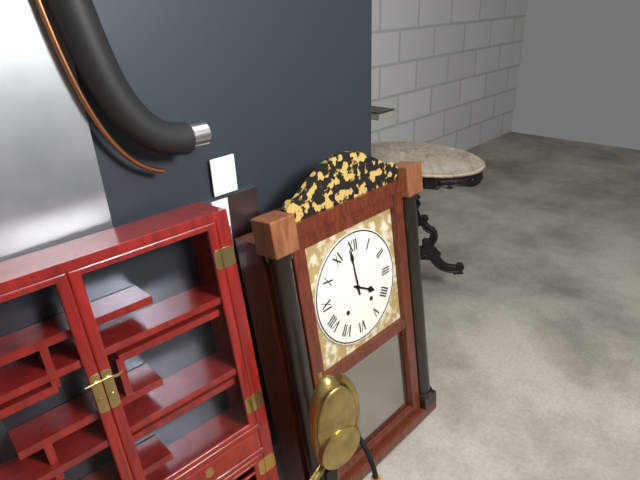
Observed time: 3:59
